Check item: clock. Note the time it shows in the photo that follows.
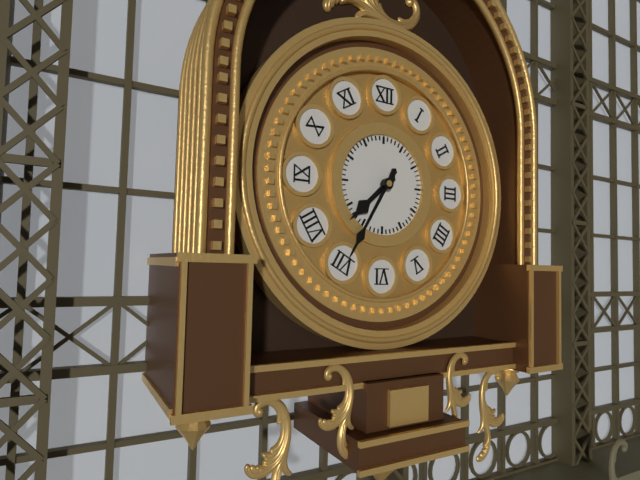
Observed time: 7:35
